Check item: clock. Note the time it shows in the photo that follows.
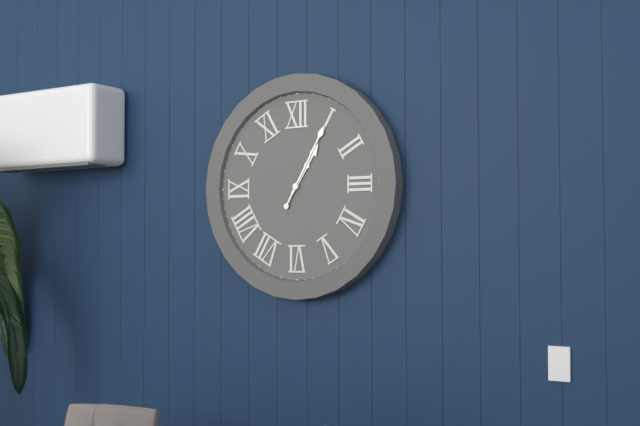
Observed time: 1:05
